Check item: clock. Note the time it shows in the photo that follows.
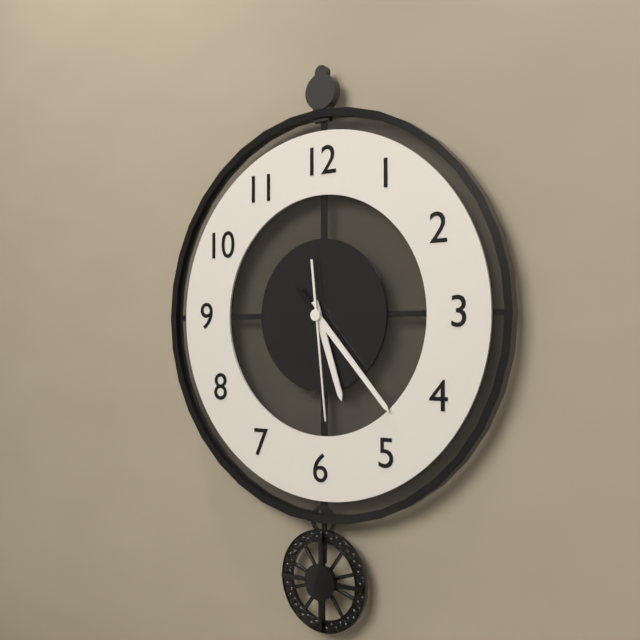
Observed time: 5:23:29
